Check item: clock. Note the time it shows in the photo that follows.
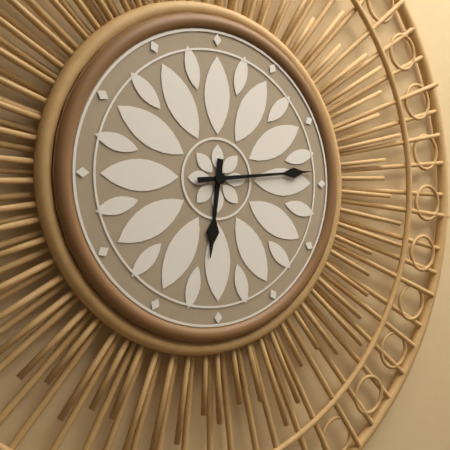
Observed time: 6:14
